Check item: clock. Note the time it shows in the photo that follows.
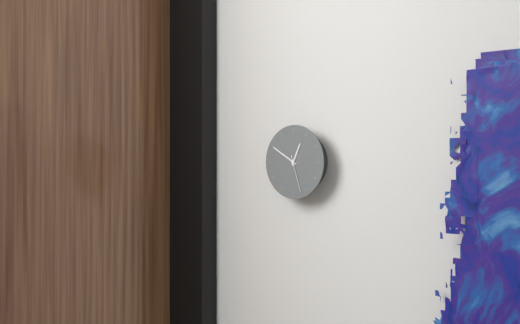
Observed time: 12:50
